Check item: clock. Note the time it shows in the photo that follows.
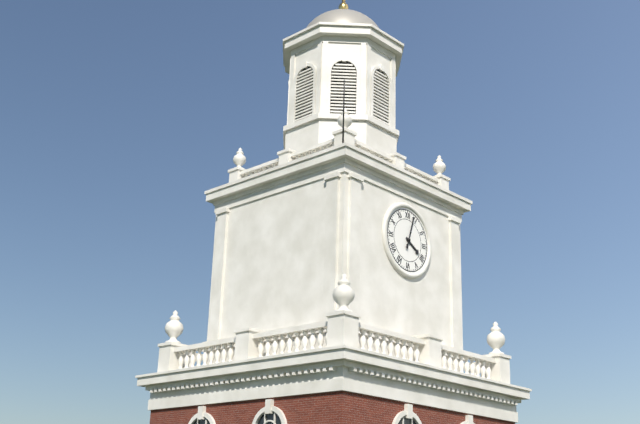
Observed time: 4:03
